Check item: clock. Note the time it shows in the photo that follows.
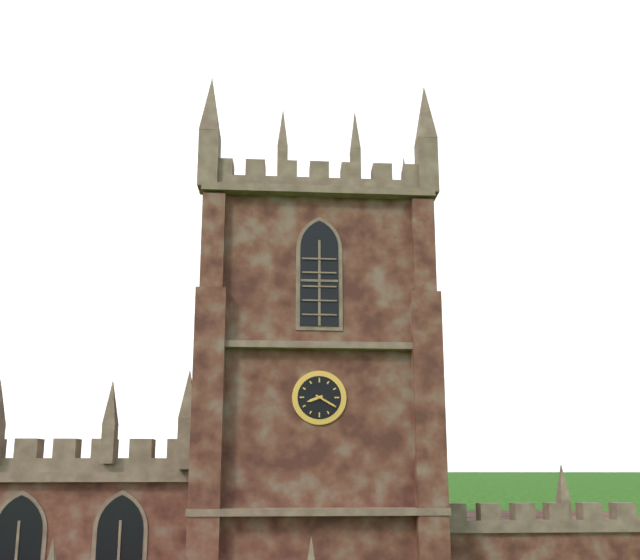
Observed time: 8:20
